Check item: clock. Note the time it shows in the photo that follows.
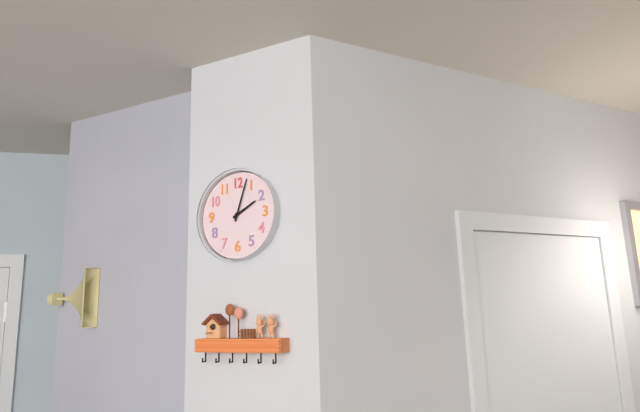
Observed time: 2:03
